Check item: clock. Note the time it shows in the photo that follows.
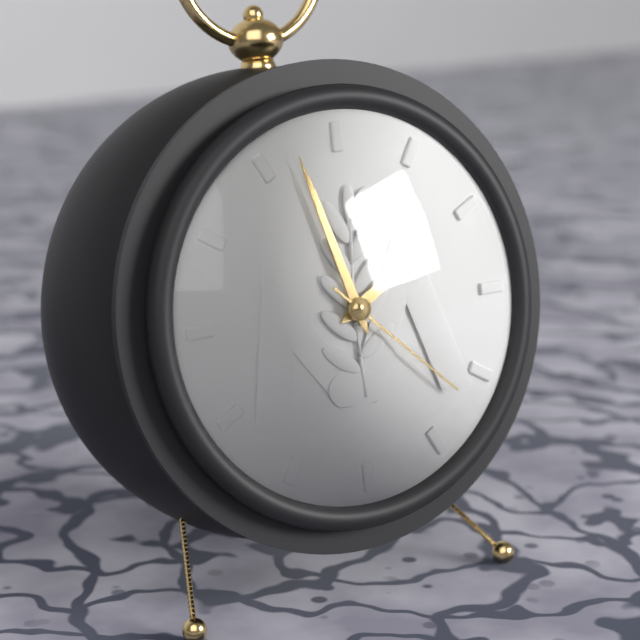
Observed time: 1:57:22
